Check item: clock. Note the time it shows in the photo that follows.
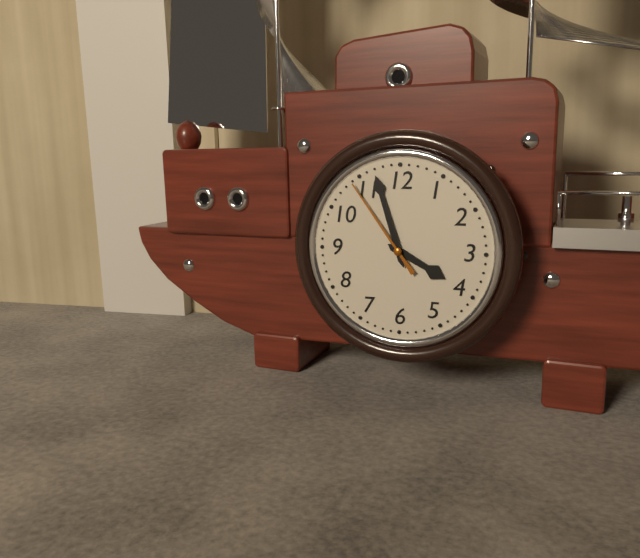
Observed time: 3:57:54
